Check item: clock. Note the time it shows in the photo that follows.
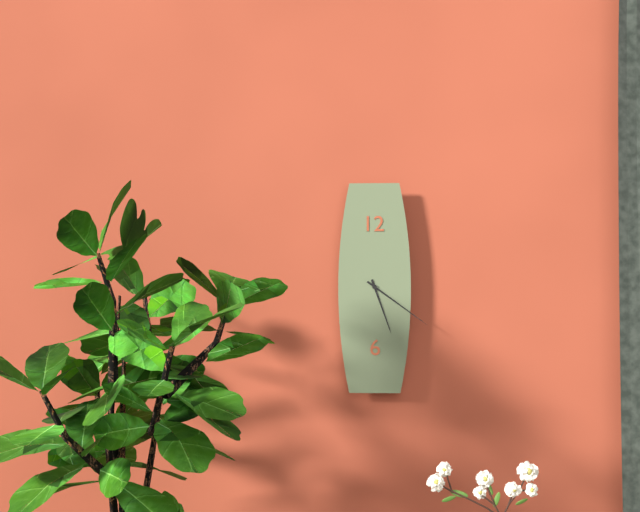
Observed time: 5:21
